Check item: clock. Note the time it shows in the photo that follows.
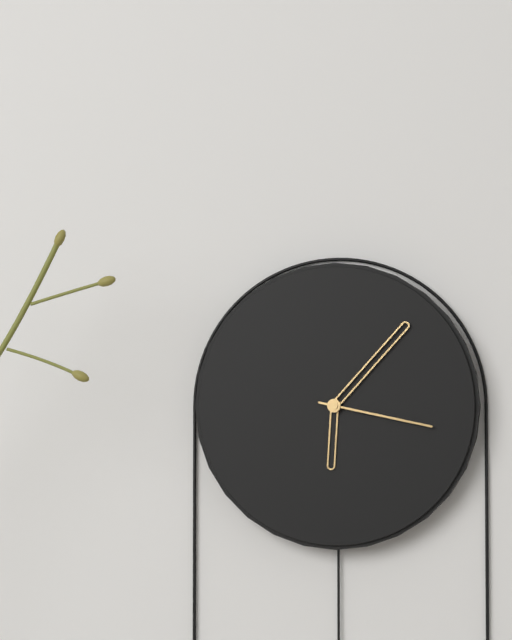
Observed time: 6:07:17
